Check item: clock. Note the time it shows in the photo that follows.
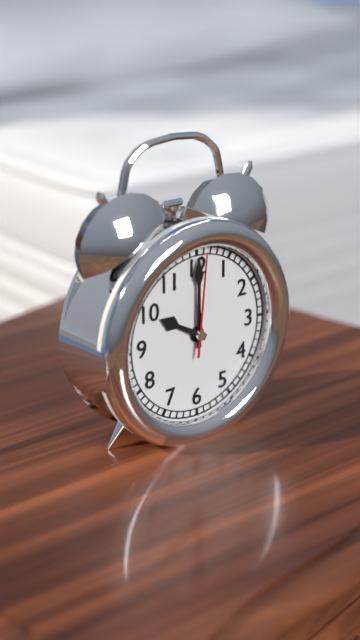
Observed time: 10:00:01
